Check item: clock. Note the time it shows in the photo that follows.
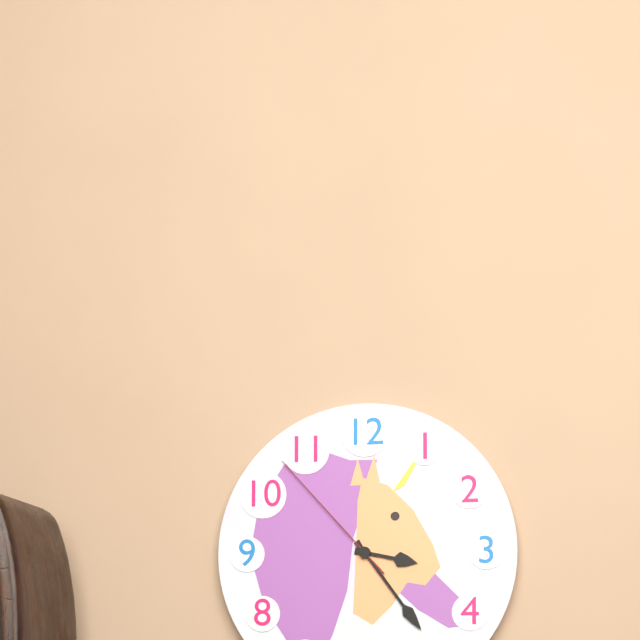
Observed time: 3:24:53
